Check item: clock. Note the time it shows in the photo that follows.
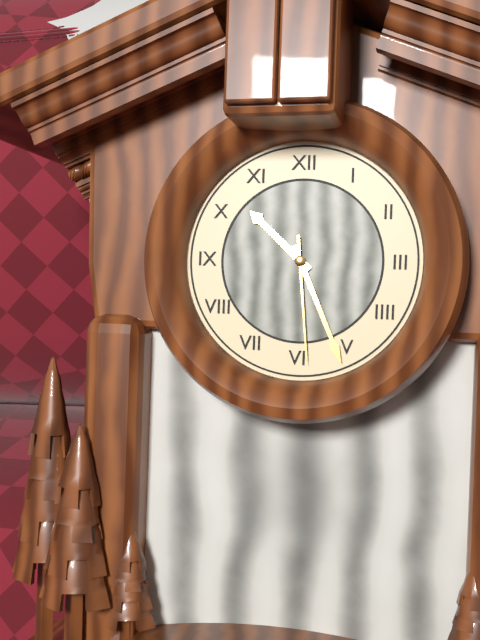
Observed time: 10:26:29
